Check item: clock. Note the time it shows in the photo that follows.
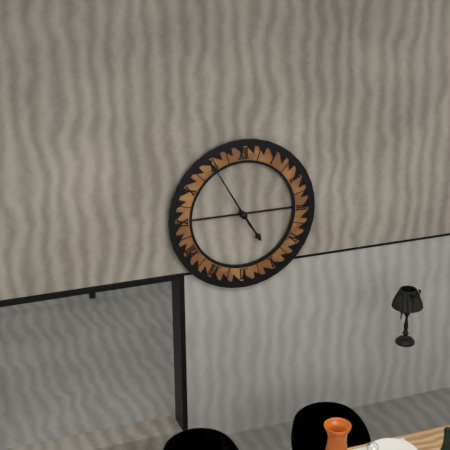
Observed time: 4:55
